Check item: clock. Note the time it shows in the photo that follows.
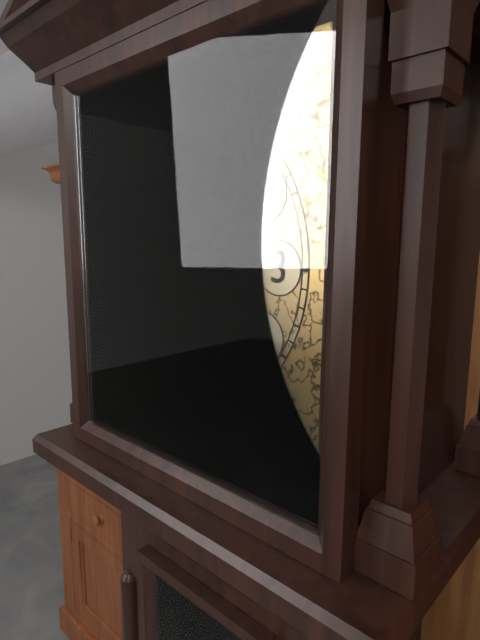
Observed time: 2:34
